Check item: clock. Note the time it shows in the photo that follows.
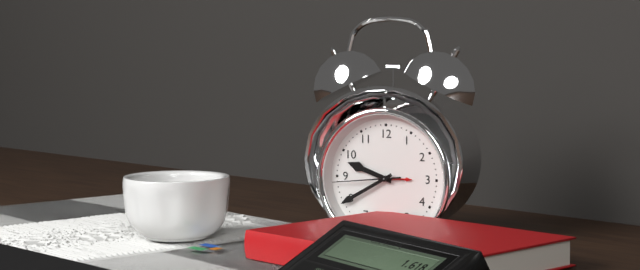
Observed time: 9:40:44
